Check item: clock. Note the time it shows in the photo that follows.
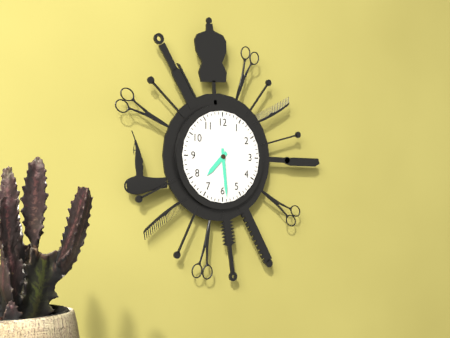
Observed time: 7:29
